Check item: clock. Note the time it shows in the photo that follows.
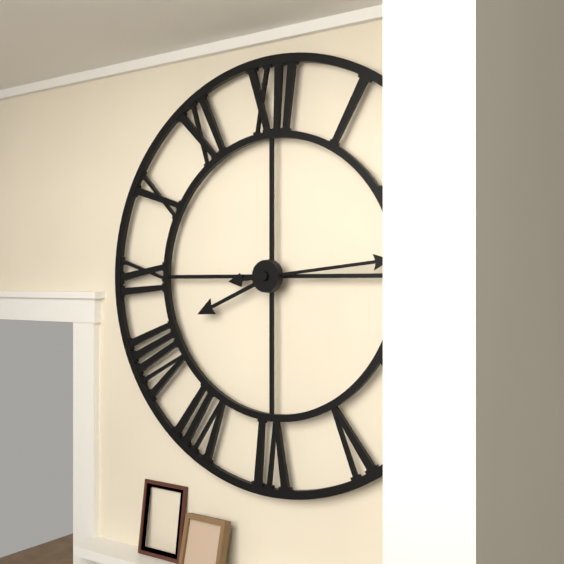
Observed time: 8:14
